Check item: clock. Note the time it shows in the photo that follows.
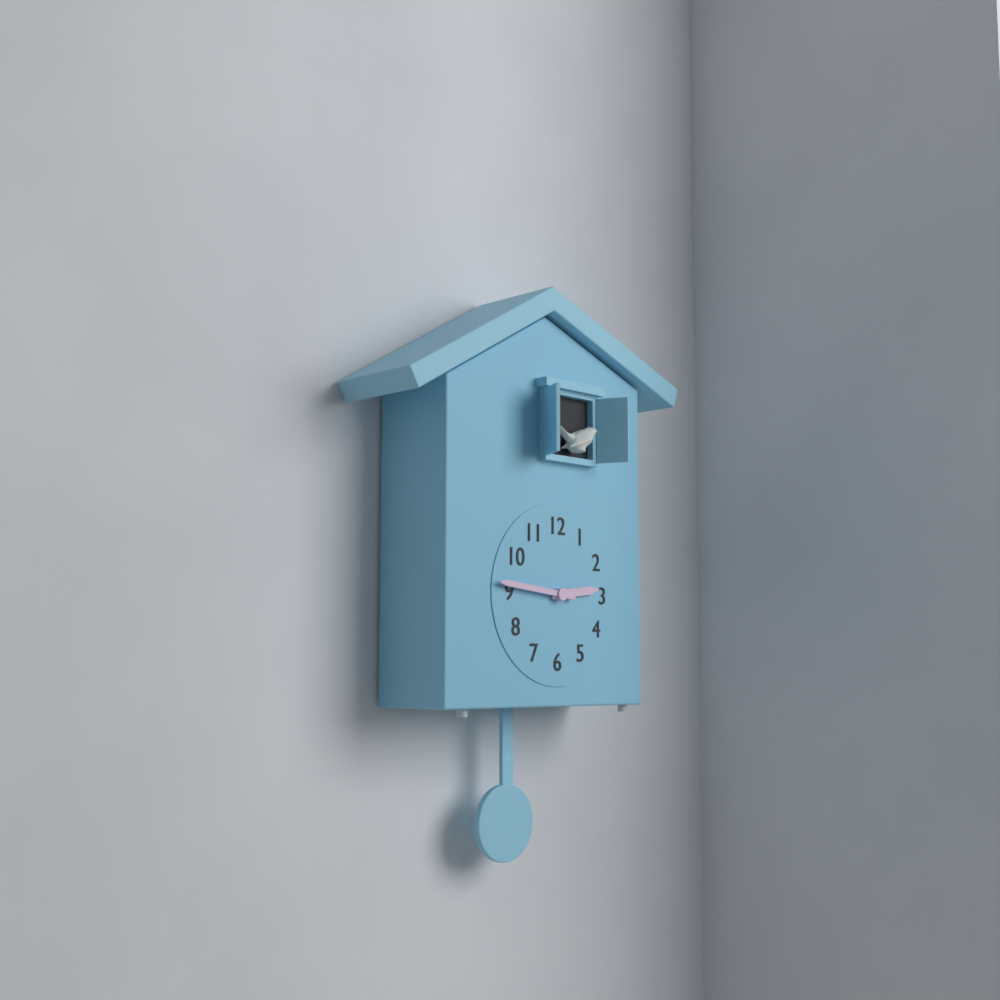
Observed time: 2:46
